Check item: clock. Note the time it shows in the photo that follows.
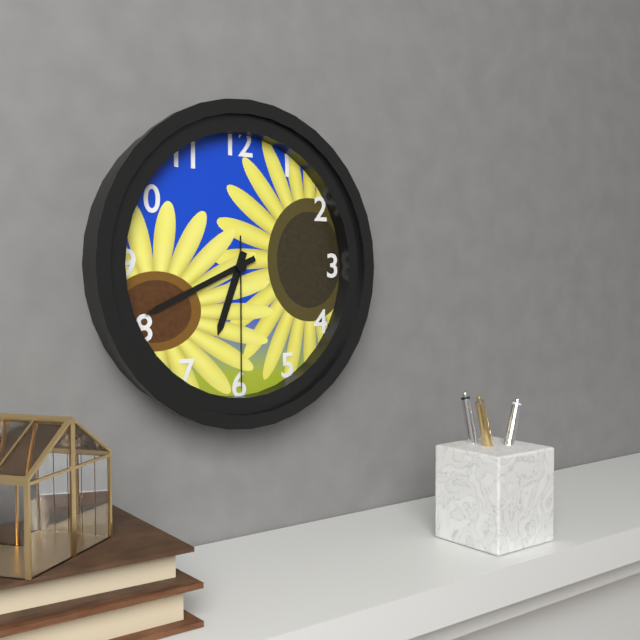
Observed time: 6:41:30
